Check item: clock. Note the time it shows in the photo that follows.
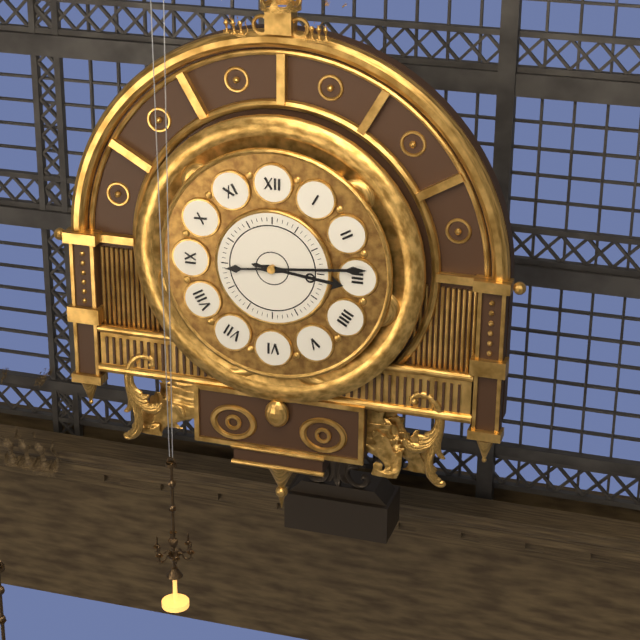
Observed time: 3:14
